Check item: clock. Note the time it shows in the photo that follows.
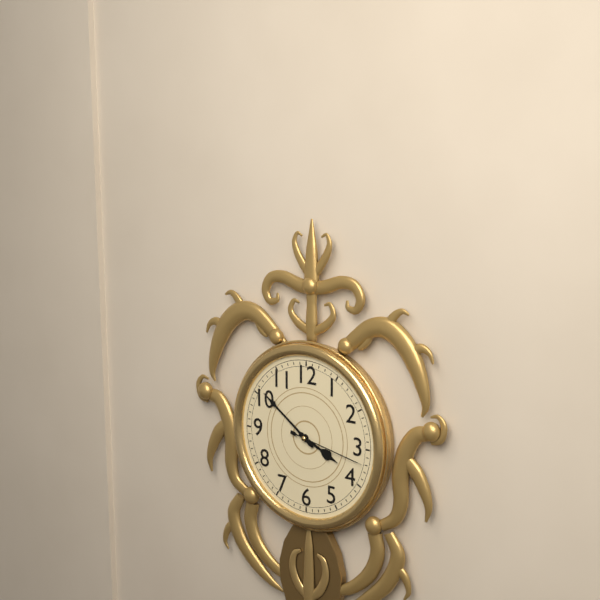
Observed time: 3:51:17
